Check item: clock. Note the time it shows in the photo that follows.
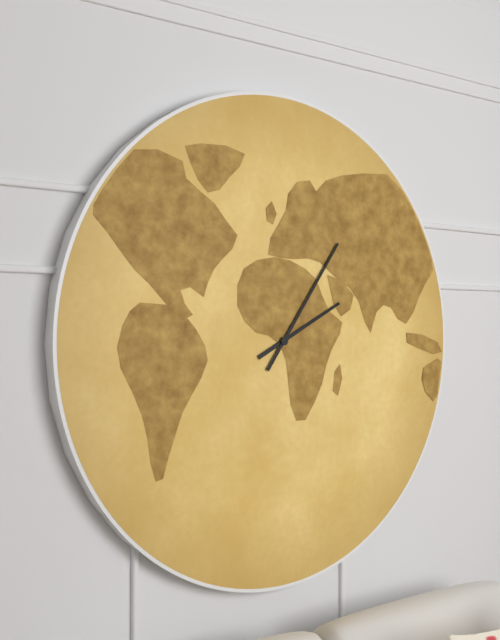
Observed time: 2:06
